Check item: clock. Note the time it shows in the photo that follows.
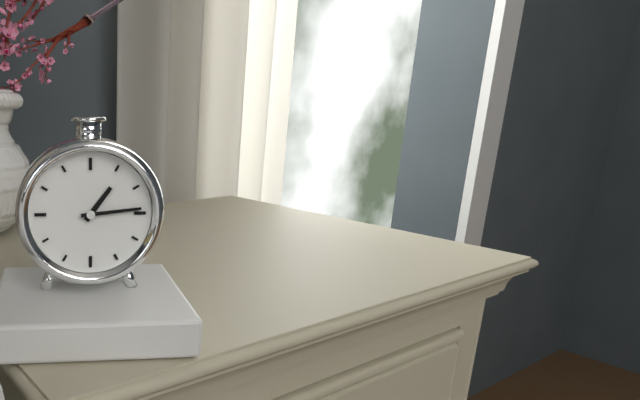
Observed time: 1:14
